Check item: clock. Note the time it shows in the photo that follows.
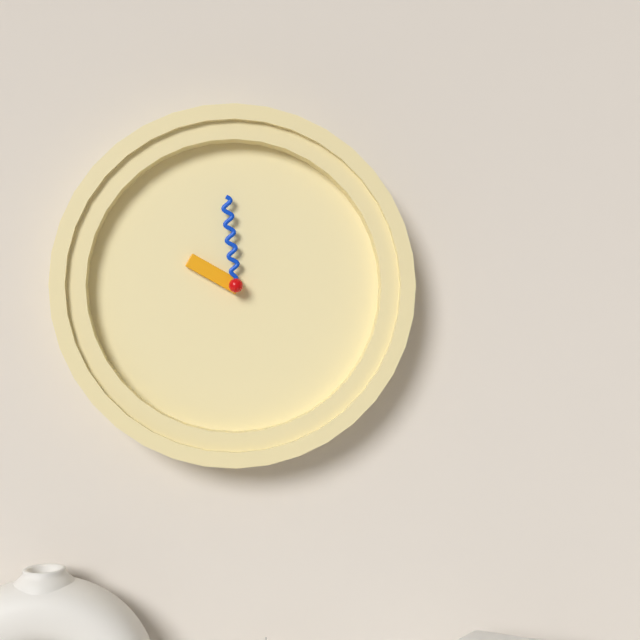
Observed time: 9:59
